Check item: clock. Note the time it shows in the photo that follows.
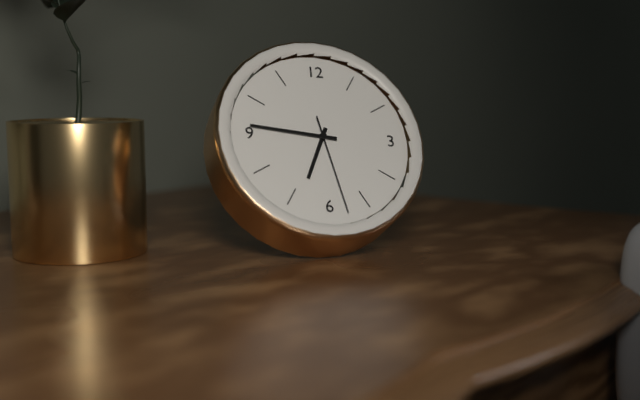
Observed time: 6:46:28
